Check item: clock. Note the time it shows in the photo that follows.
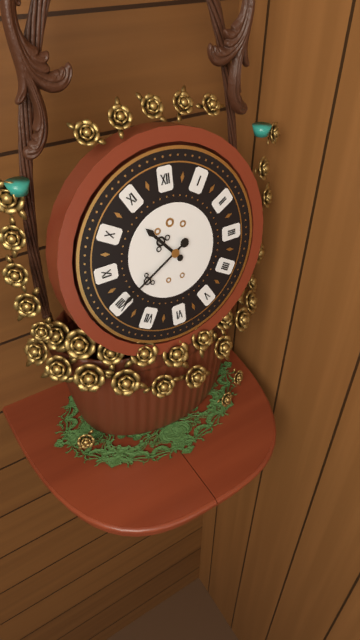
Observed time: 10:40
